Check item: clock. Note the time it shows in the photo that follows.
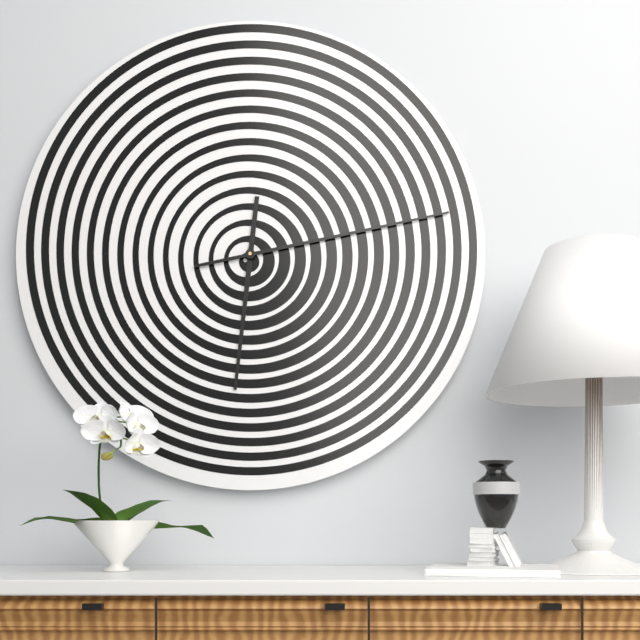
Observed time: 6:13
